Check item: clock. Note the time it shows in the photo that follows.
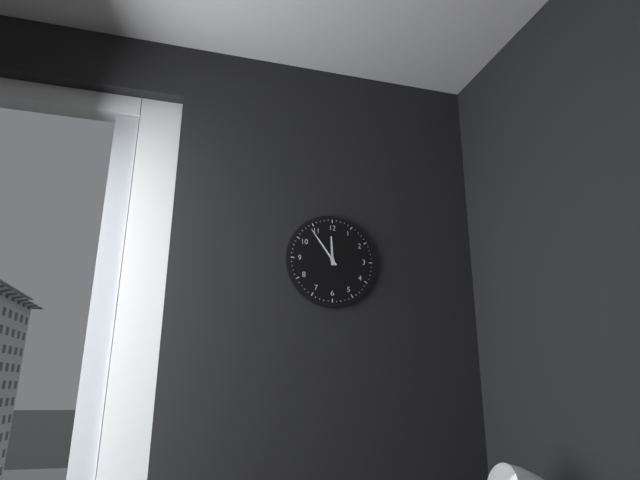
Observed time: 11:54
